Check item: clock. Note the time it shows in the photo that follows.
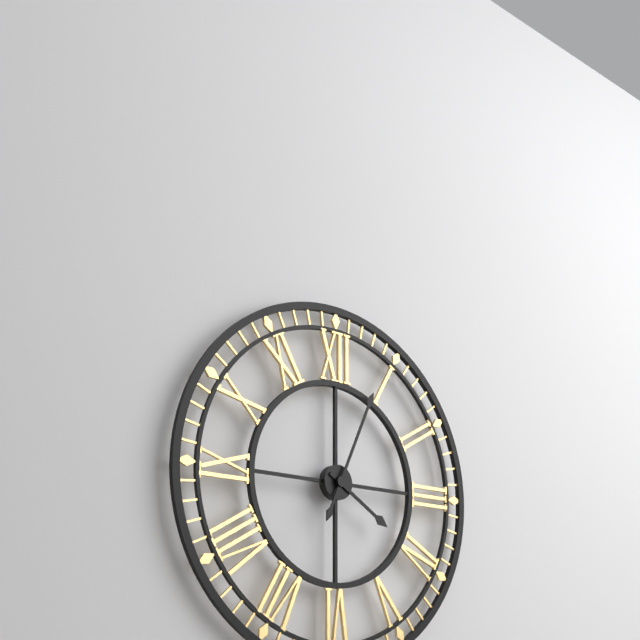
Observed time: 4:04
